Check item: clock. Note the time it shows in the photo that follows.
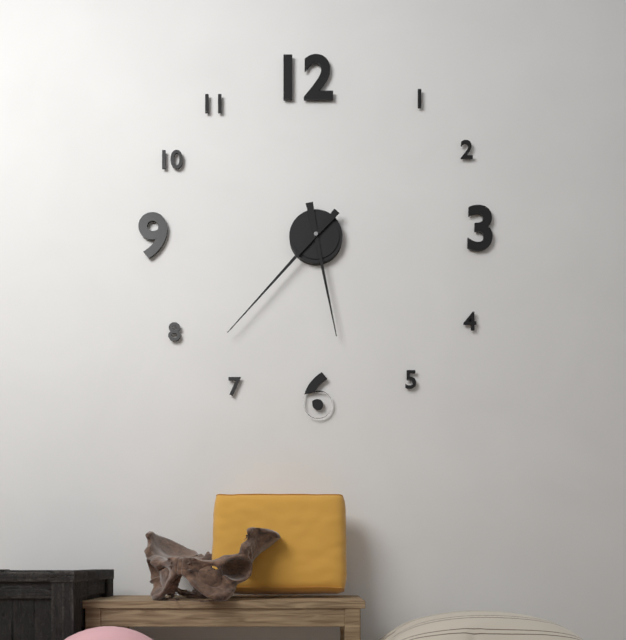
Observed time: 5:37
